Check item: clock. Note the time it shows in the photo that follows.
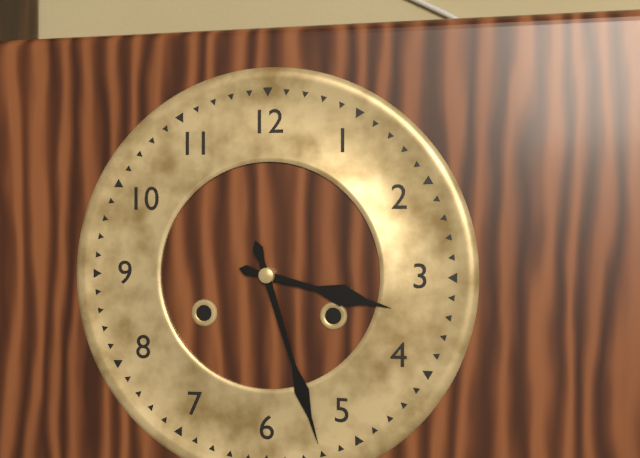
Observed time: 3:27
